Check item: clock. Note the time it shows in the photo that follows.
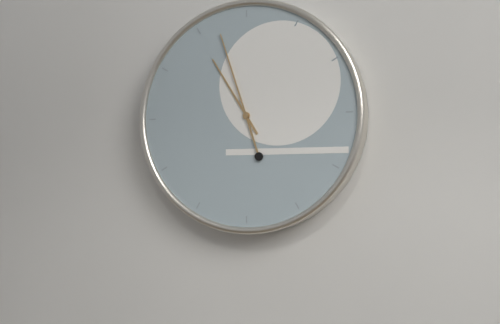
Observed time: 10:57
